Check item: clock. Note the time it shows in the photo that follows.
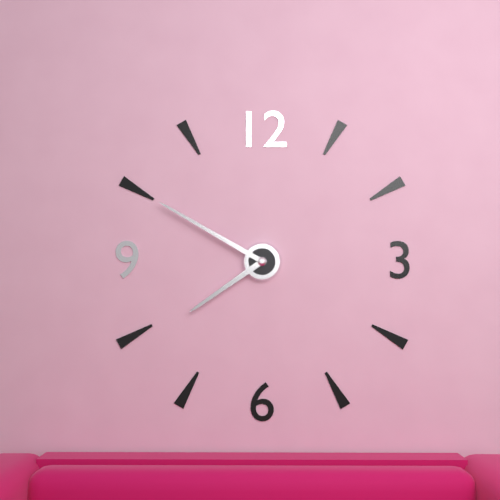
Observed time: 7:50
